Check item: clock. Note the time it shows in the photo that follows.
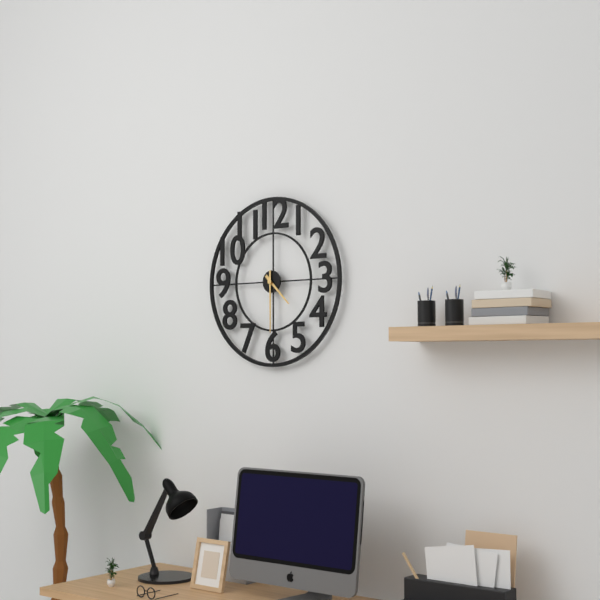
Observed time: 4:30
